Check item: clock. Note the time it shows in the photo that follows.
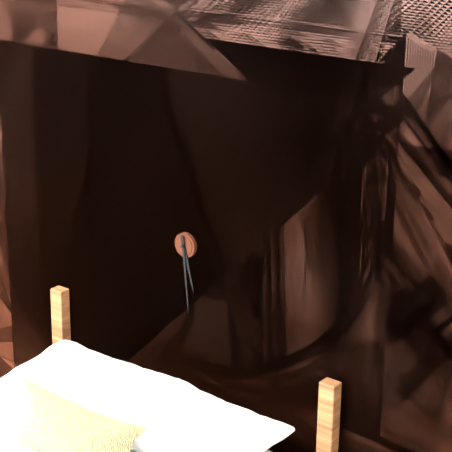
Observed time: 5:29
